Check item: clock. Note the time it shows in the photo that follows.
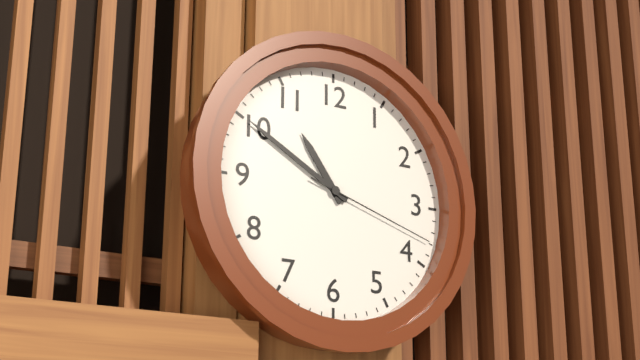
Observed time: 10:50:18
